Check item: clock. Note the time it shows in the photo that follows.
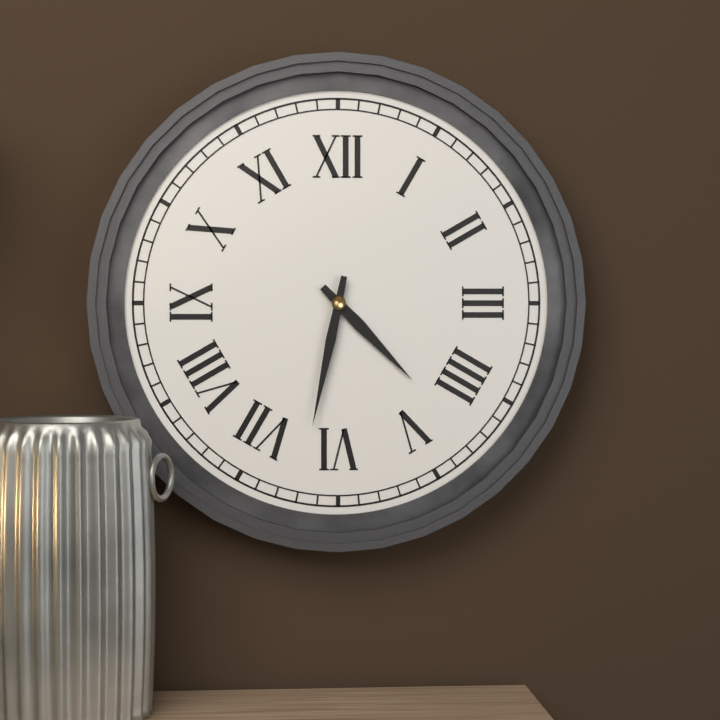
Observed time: 4:32
